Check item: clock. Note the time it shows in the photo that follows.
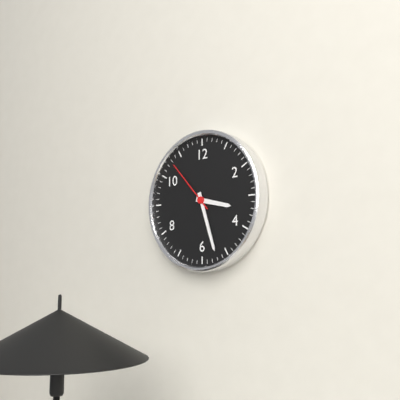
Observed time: 3:27:53
